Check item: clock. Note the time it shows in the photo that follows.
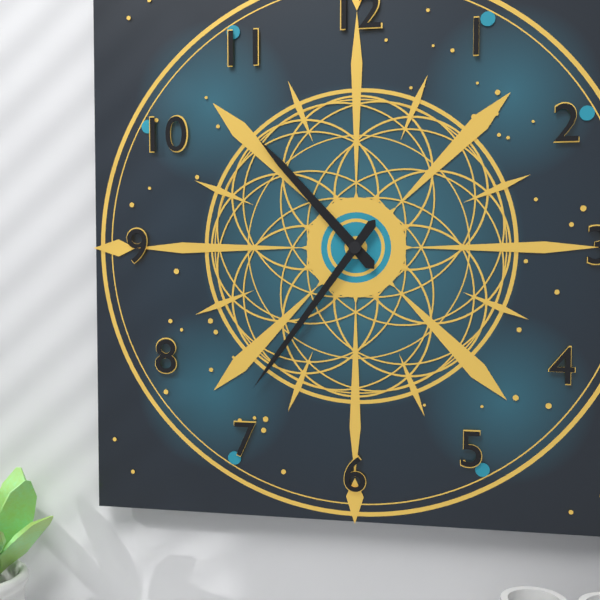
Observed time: 10:36
